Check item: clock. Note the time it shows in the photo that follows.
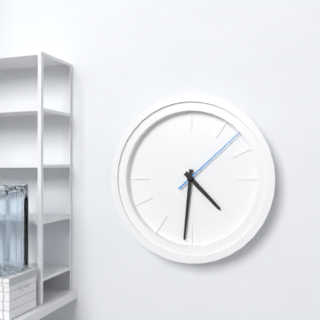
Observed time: 4:31:08
